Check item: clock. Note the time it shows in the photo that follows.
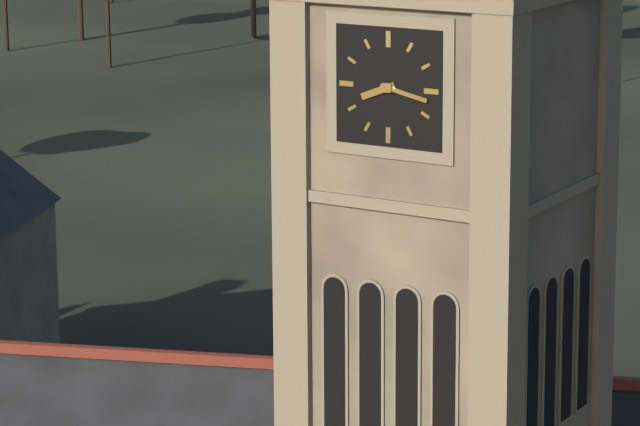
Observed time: 8:17
